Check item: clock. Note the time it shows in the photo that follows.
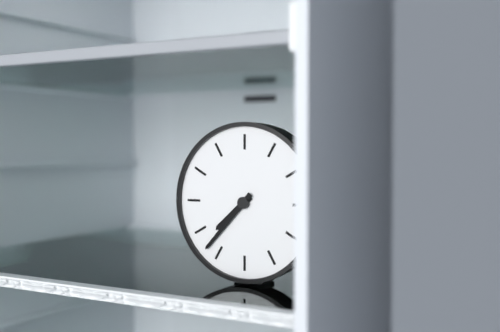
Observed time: 7:37
